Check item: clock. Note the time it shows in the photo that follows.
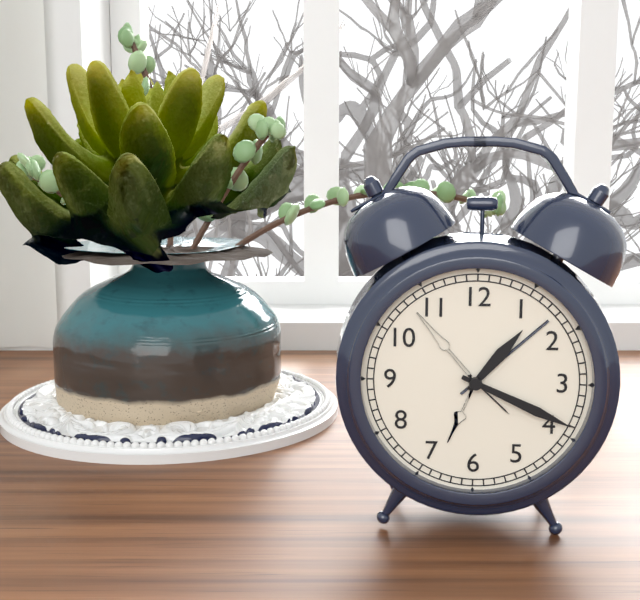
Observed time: 1:19
